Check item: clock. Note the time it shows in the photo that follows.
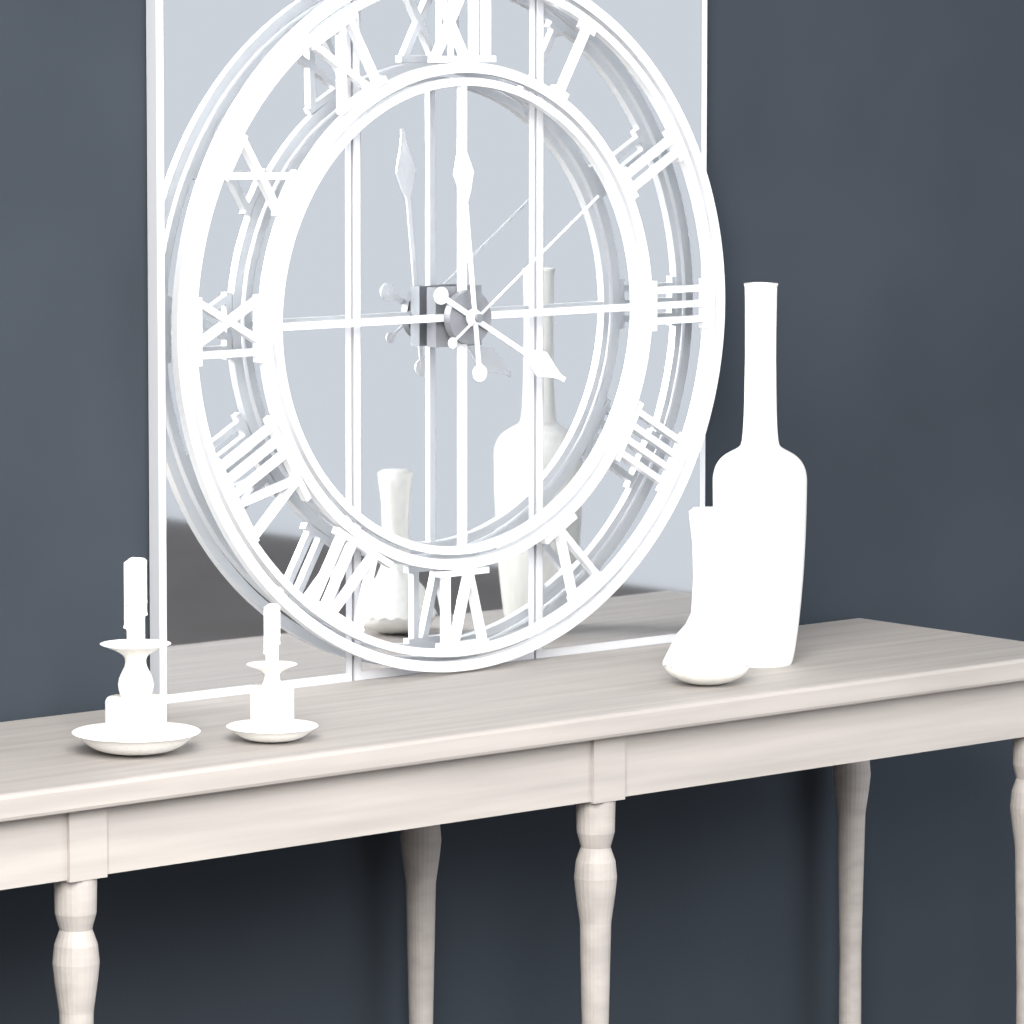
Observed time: 3:59:09
